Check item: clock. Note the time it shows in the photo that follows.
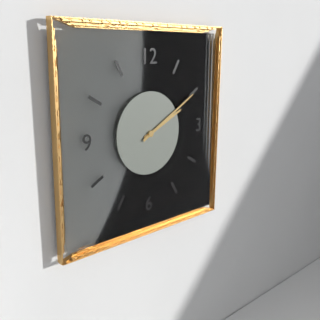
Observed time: 2:10
